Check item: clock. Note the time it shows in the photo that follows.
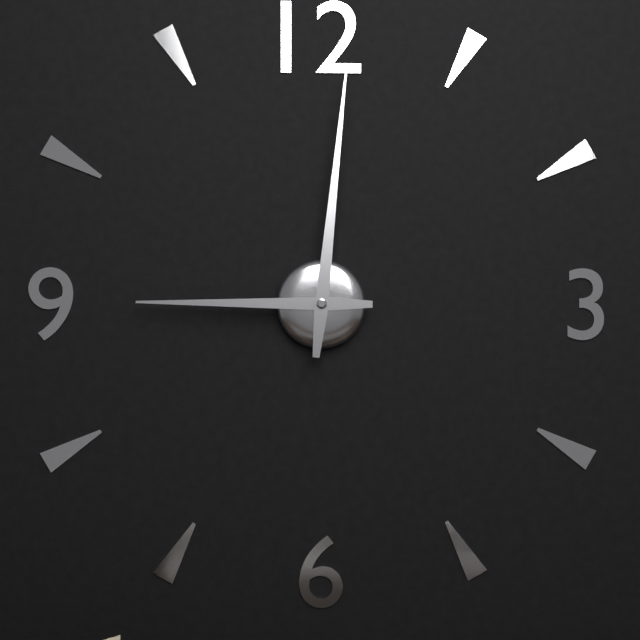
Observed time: 9:01
